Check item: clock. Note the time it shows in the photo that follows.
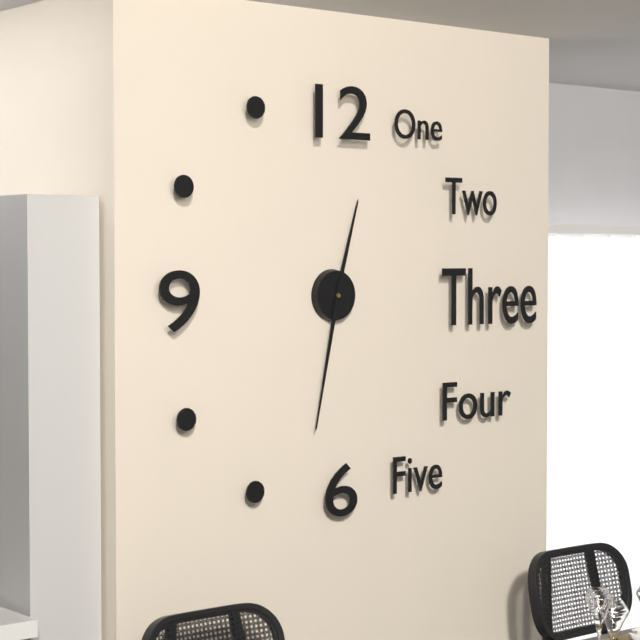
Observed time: 12:32
